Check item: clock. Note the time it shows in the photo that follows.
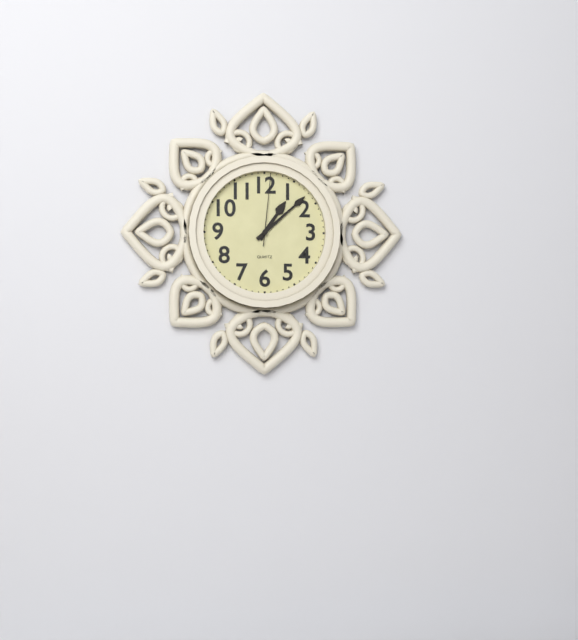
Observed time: 1:08:01
